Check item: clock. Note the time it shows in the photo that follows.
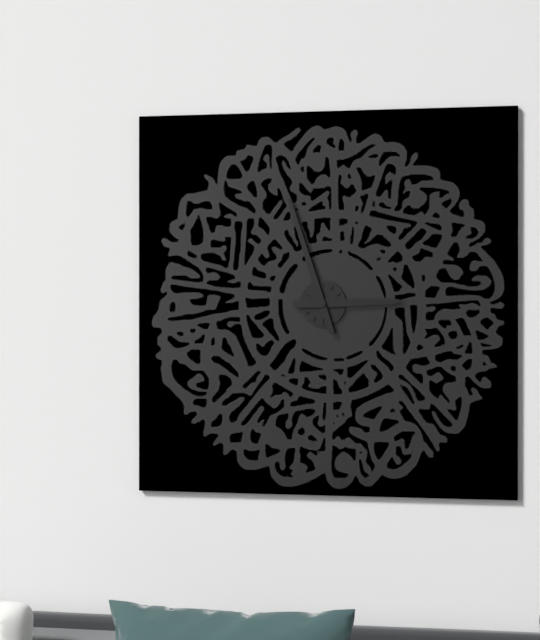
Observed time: 2:57
